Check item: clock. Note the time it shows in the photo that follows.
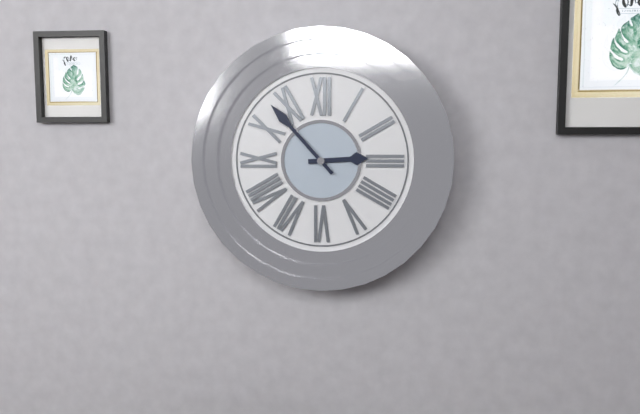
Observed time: 2:53
